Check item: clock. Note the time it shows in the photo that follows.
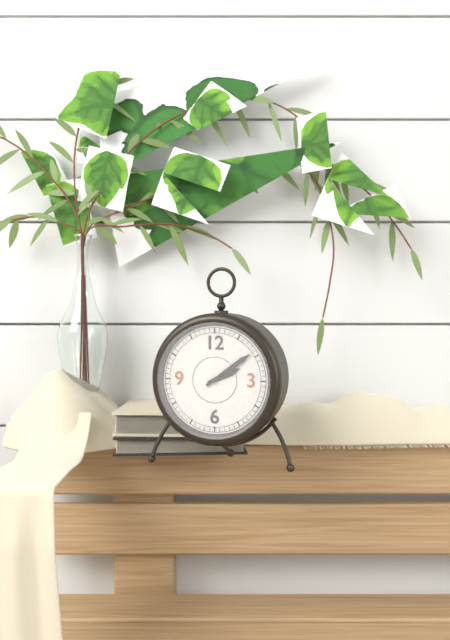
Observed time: 2:09
